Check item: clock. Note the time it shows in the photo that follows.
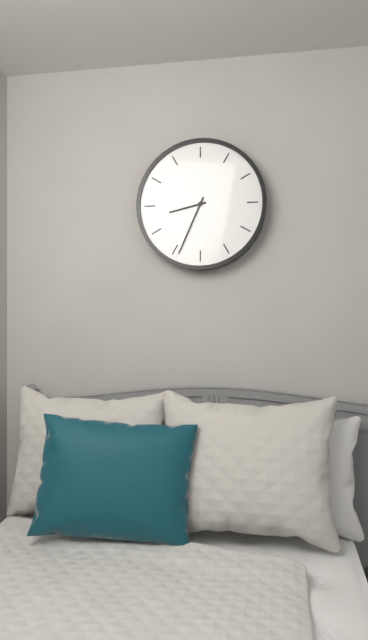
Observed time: 8:34
